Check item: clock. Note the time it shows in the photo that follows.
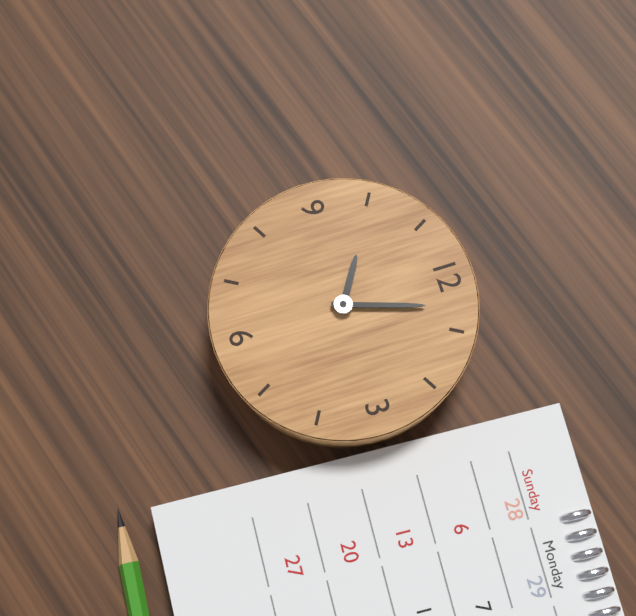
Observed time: 10:03
